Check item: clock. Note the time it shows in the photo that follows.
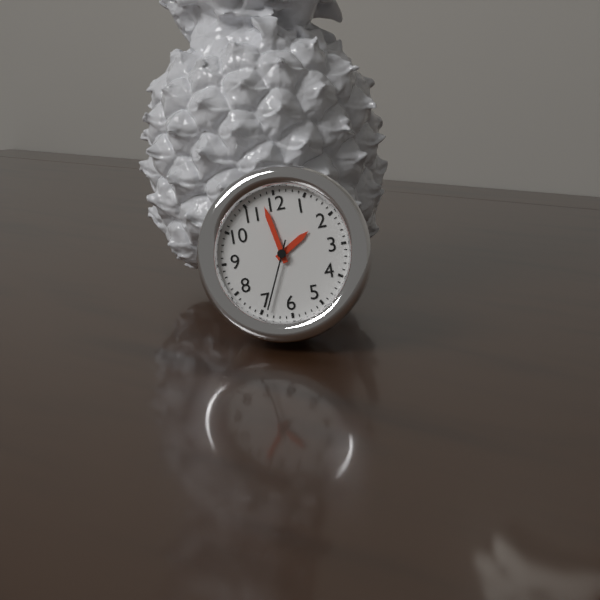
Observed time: 1:58:34
